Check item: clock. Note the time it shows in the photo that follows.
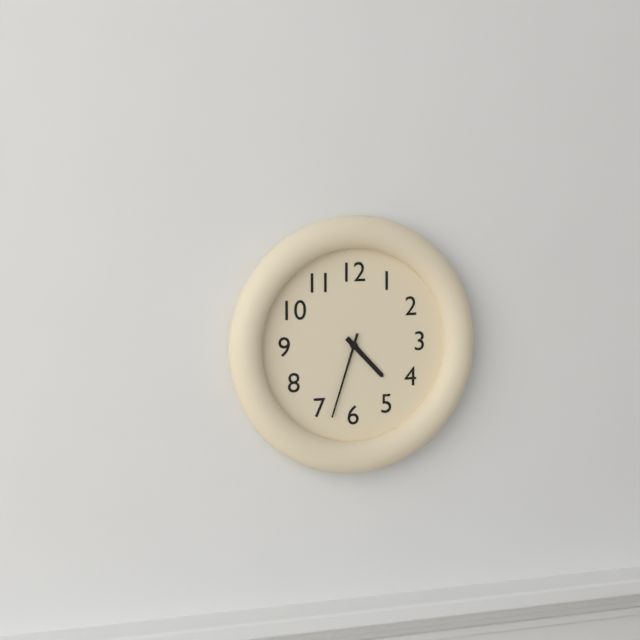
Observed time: 4:33
